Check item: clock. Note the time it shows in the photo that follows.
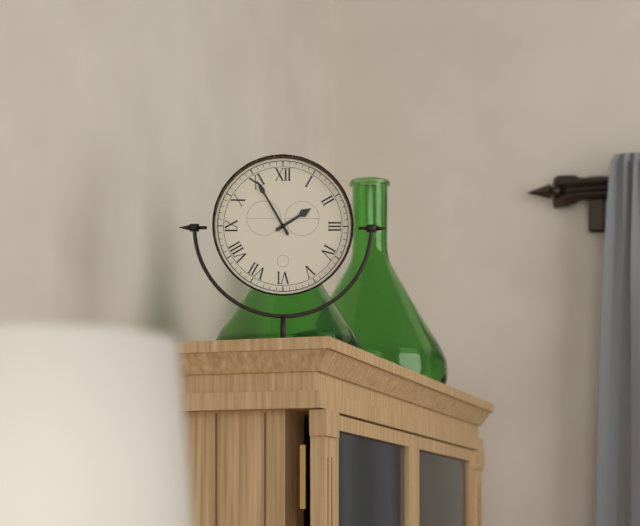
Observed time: 1:55
